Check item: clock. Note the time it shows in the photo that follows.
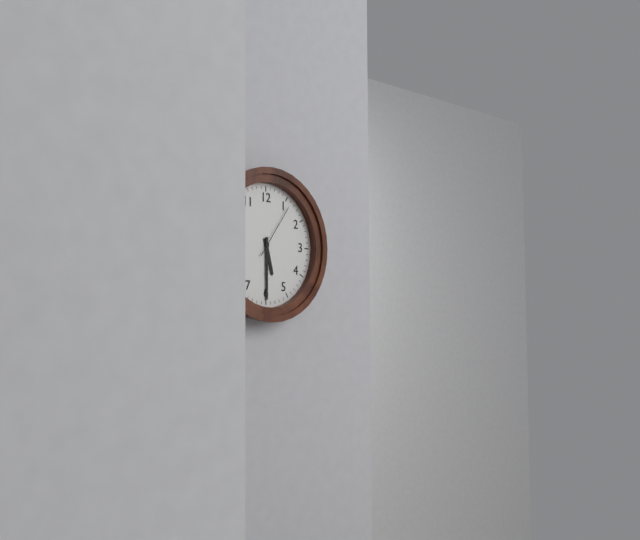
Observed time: 5:30:06
